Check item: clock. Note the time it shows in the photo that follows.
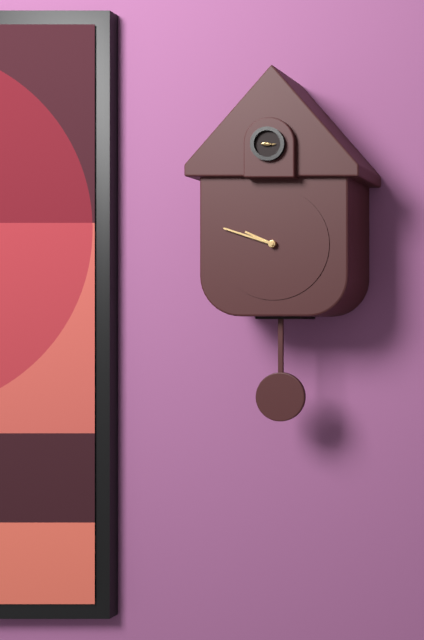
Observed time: 9:48
